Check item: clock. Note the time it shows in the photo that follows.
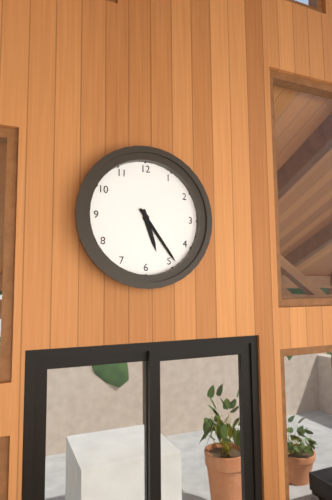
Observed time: 5:24
